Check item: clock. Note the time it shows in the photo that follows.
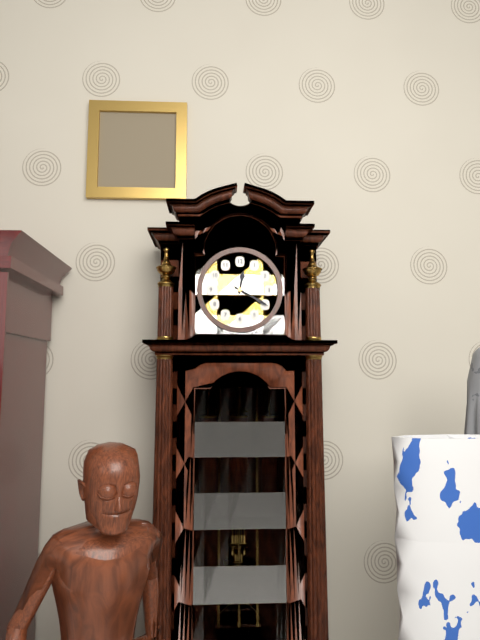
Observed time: 12:20
